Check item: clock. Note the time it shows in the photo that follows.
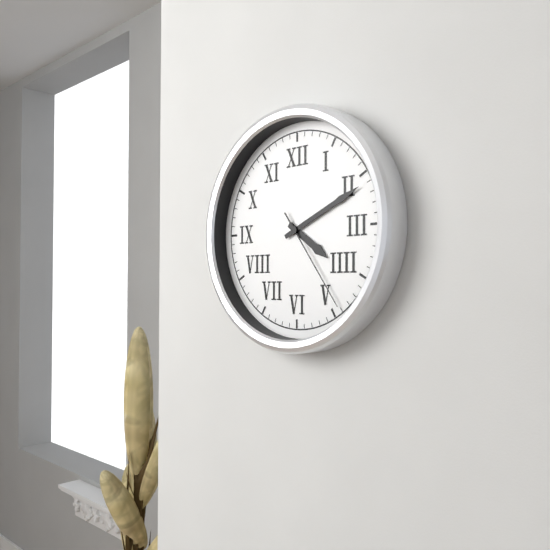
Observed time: 4:11:24
